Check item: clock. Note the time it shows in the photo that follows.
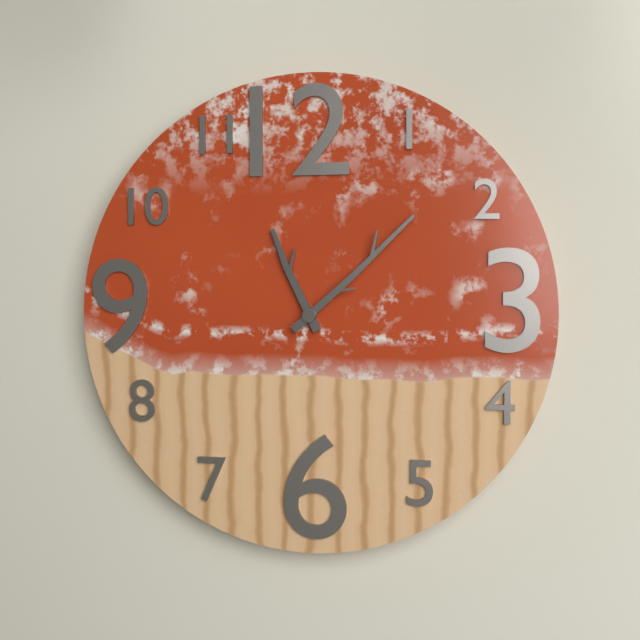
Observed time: 11:08
